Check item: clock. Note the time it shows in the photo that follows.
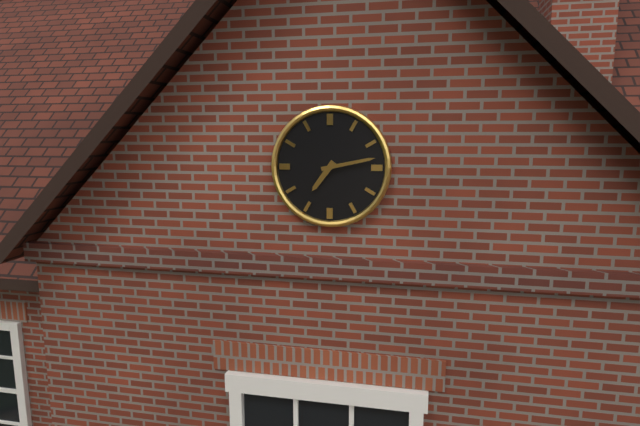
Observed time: 7:13
